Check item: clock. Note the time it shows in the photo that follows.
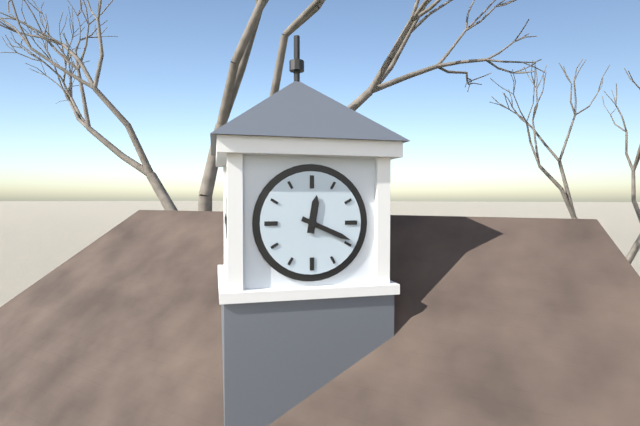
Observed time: 12:19
